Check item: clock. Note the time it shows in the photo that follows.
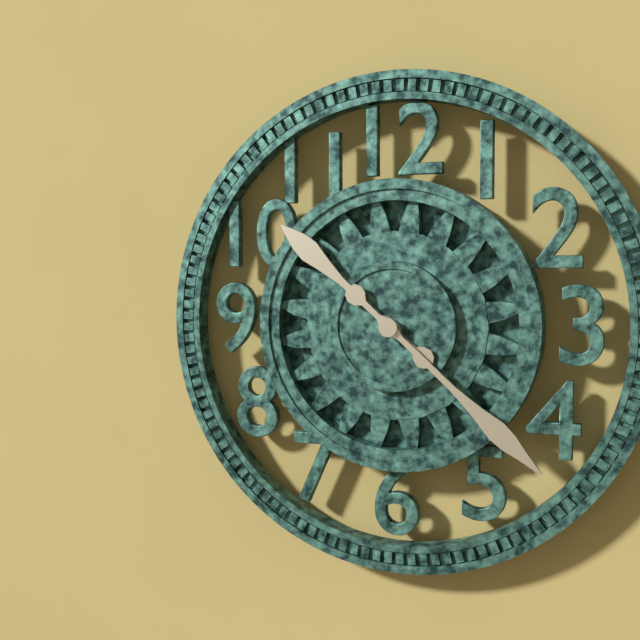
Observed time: 10:22
